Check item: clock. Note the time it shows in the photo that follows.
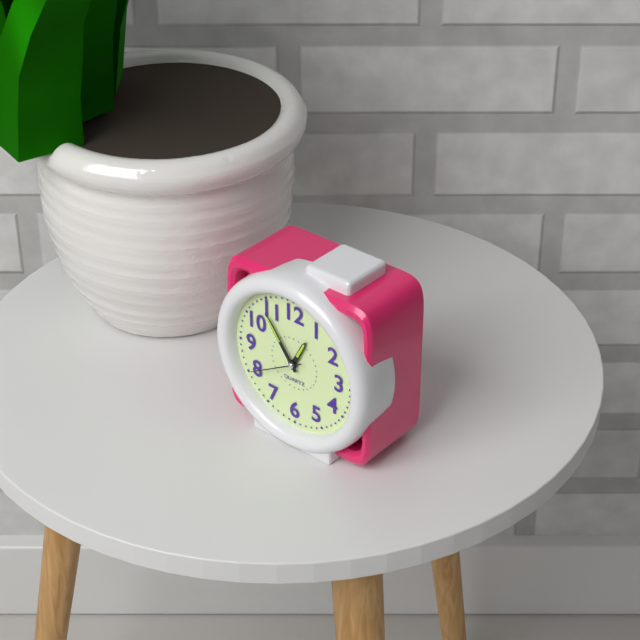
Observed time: 12:54:40
